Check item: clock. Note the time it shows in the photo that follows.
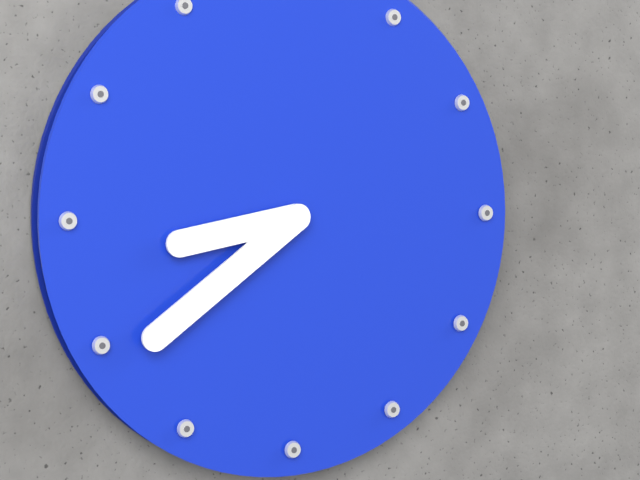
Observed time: 8:39
